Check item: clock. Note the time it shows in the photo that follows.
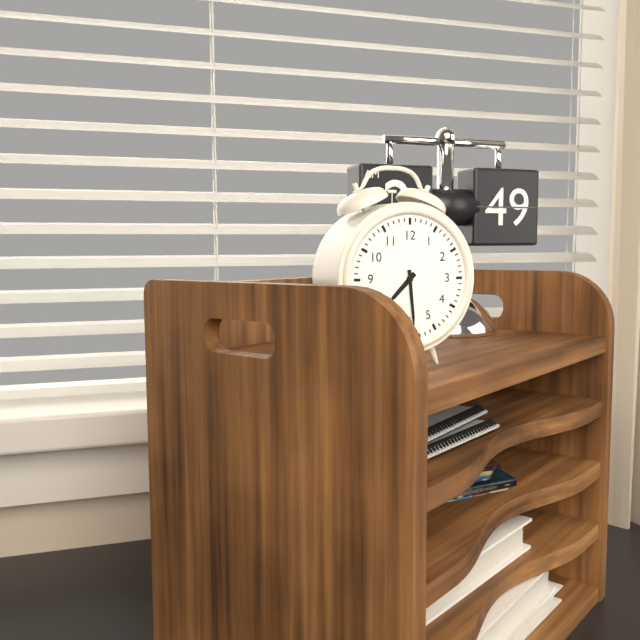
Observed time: 7:29
